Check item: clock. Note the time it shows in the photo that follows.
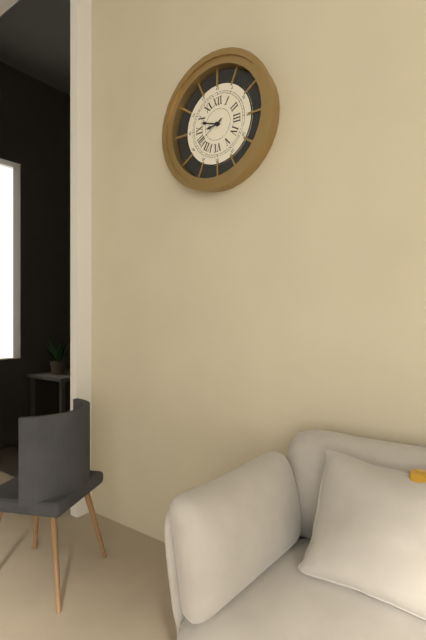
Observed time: 8:48
